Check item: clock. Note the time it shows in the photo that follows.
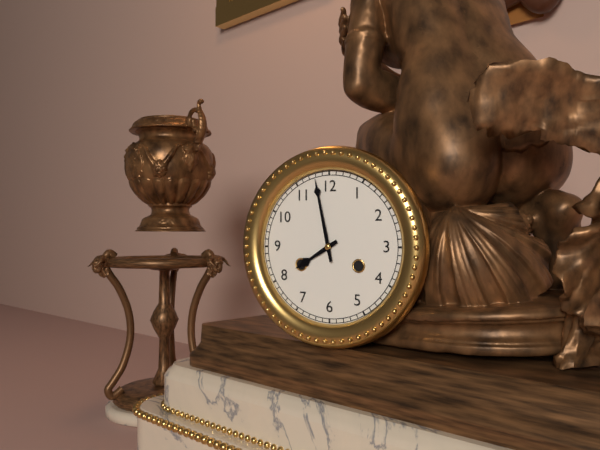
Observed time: 7:58
